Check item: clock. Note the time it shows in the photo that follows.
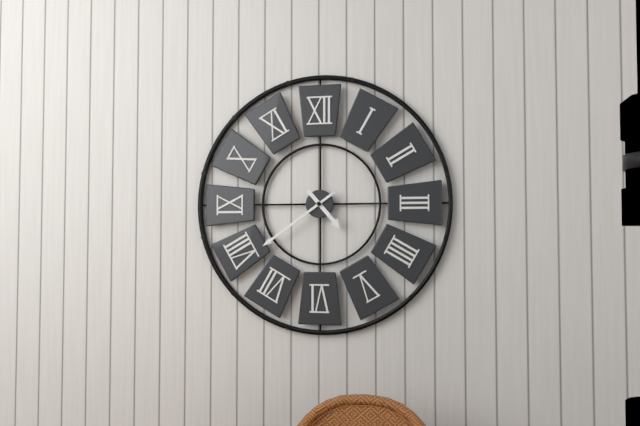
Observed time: 4:39
